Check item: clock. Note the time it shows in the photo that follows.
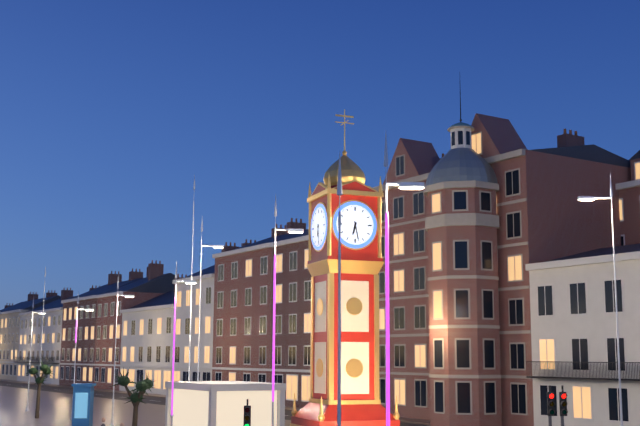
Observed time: 6:28
